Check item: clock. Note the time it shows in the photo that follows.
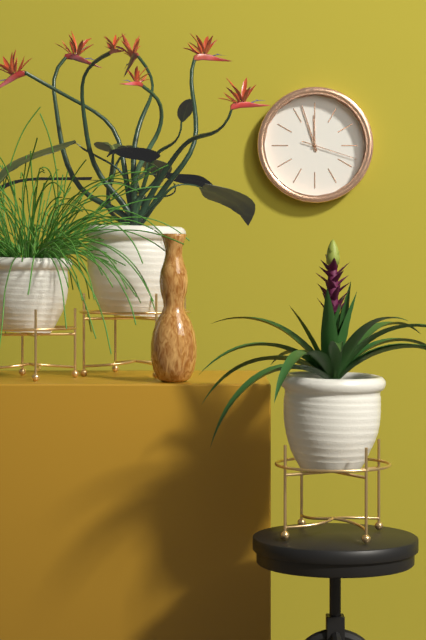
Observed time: 11:57:18
